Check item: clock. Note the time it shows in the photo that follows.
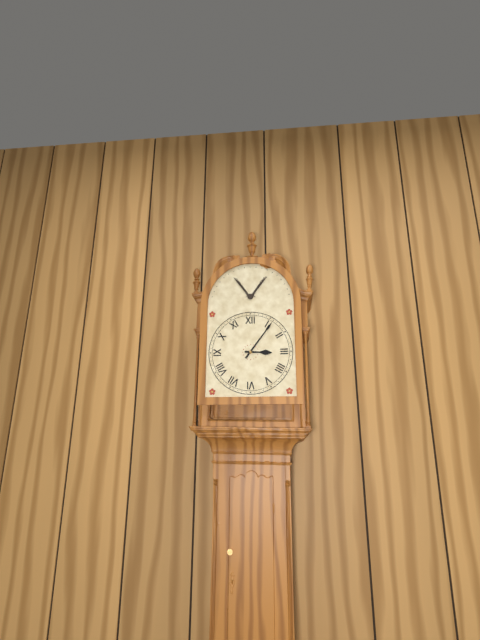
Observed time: 3:06
